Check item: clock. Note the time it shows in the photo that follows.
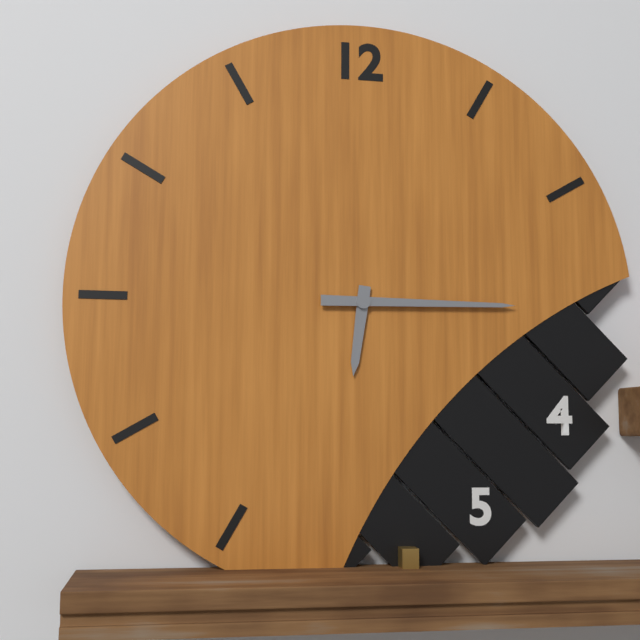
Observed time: 6:15
